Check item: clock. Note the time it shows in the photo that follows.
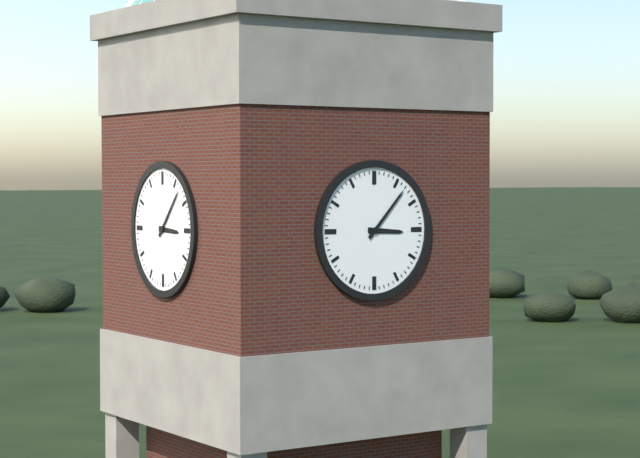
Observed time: 3:07
